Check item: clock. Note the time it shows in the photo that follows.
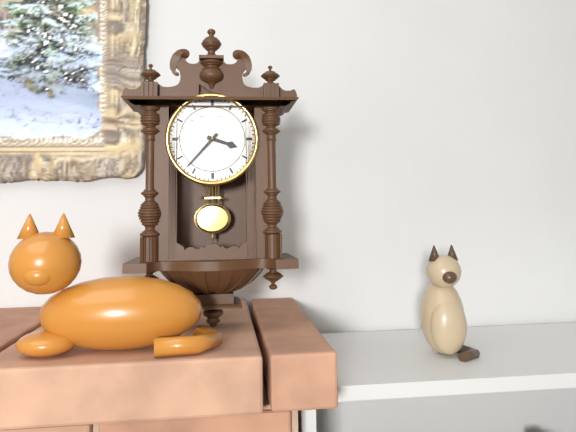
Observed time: 3:37
